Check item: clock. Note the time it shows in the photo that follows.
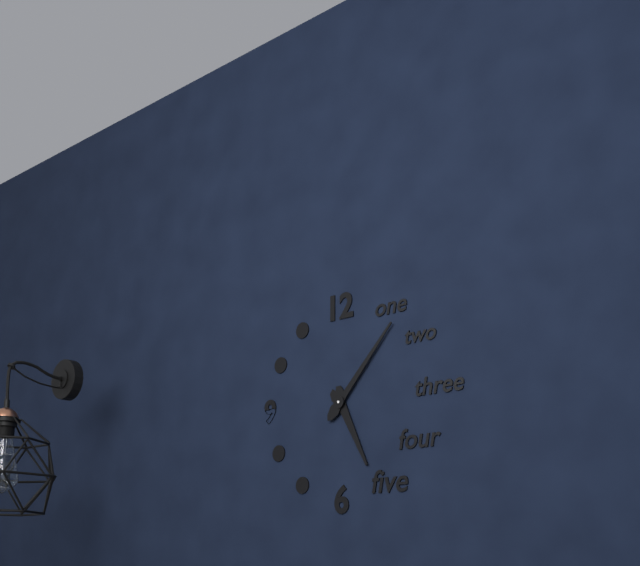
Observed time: 5:07
